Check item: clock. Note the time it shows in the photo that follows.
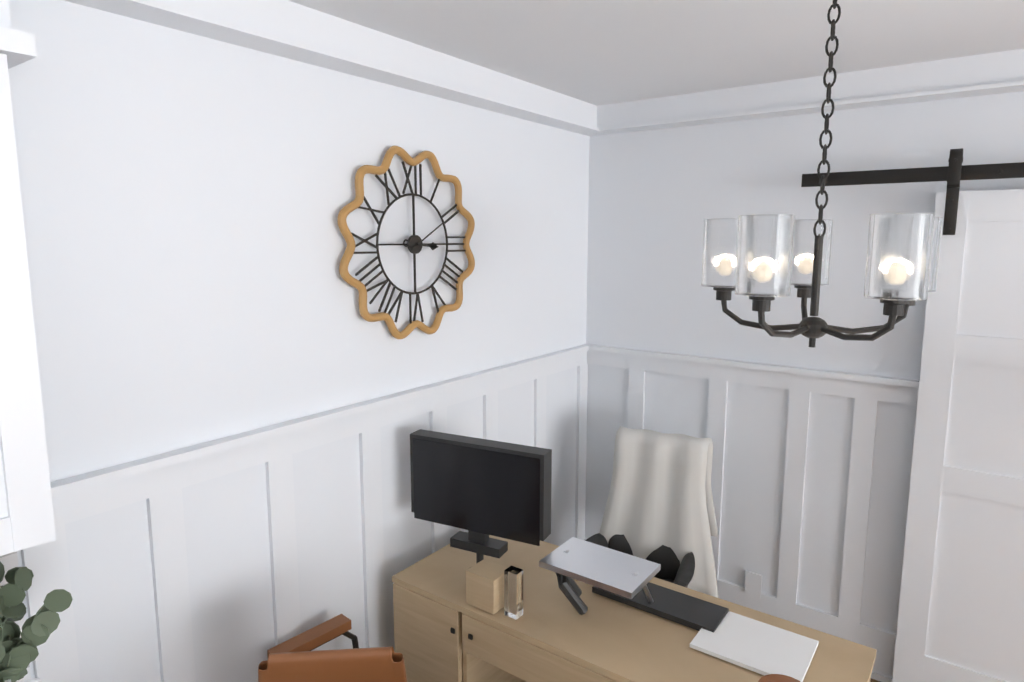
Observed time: 3:10
